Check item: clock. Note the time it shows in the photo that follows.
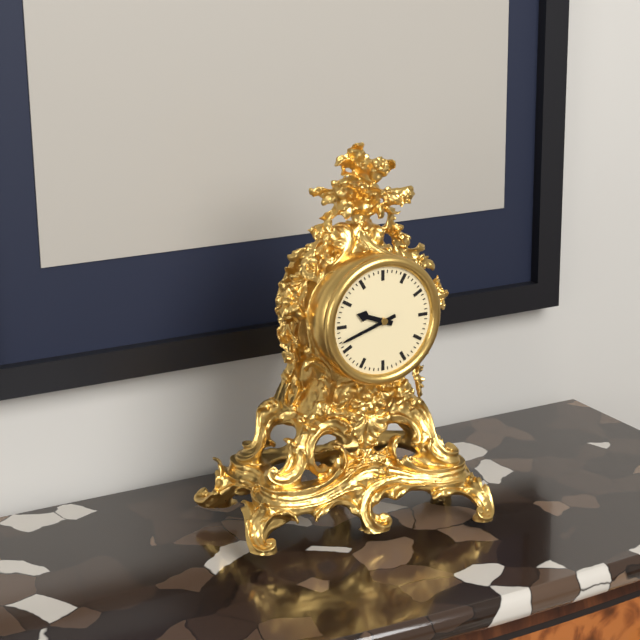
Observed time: 9:42
